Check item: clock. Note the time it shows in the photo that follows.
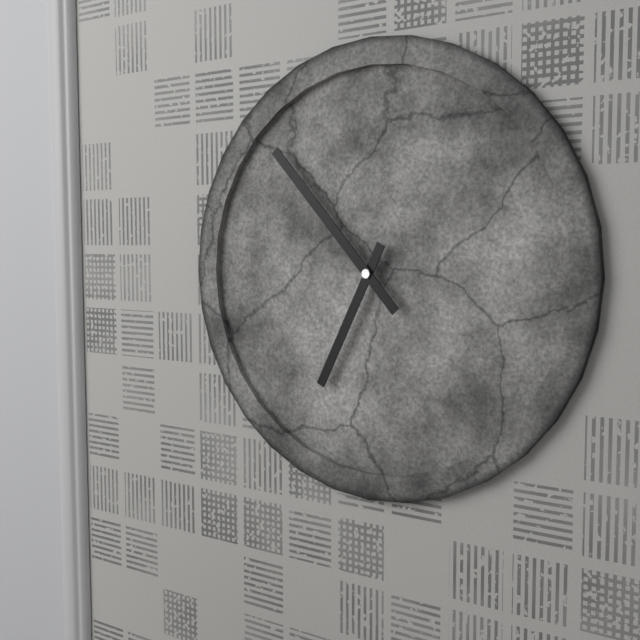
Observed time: 6:53
